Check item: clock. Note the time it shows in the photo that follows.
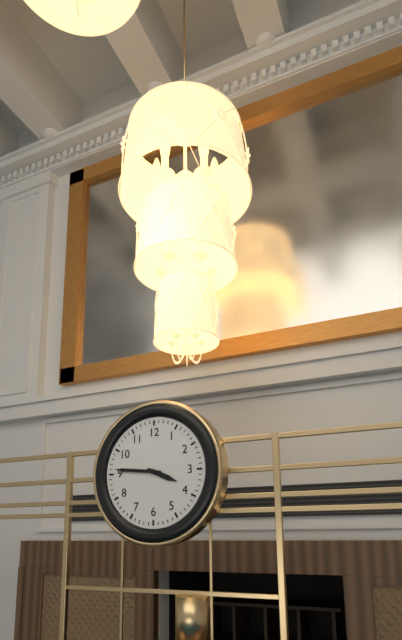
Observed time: 3:46
